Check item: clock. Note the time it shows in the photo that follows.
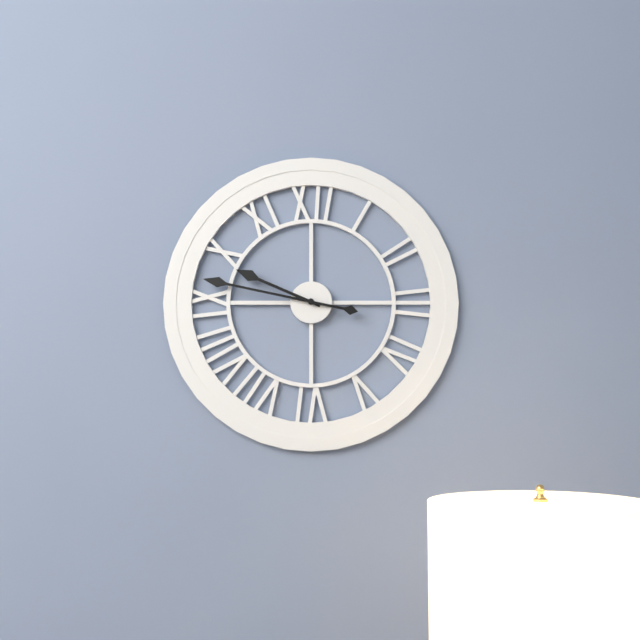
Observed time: 9:47
